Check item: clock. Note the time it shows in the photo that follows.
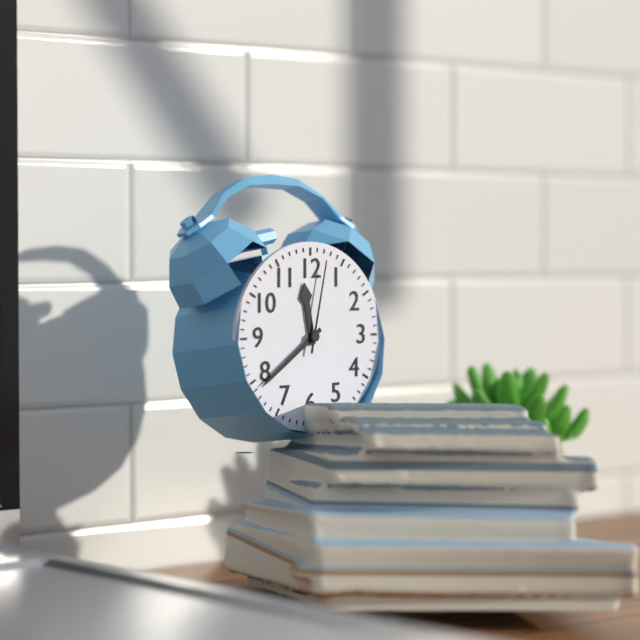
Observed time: 11:39:02
